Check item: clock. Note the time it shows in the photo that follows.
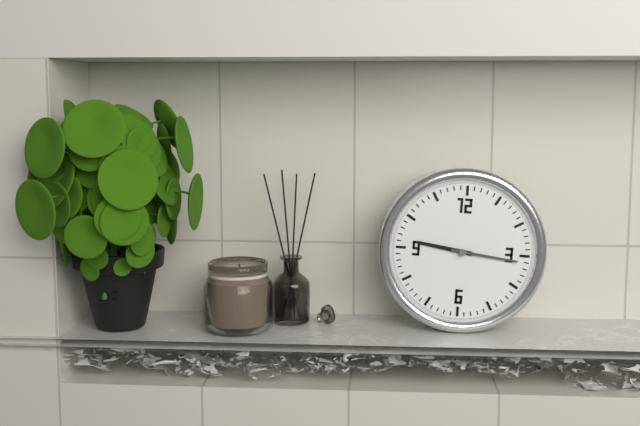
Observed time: 9:16
